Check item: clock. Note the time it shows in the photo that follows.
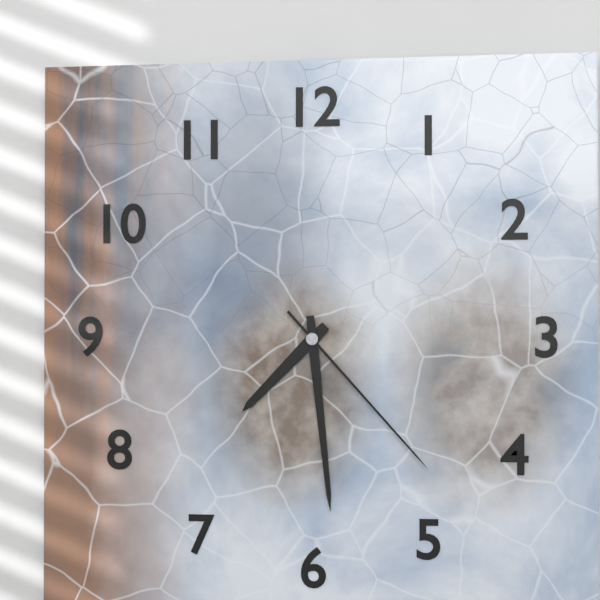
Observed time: 7:29:23
